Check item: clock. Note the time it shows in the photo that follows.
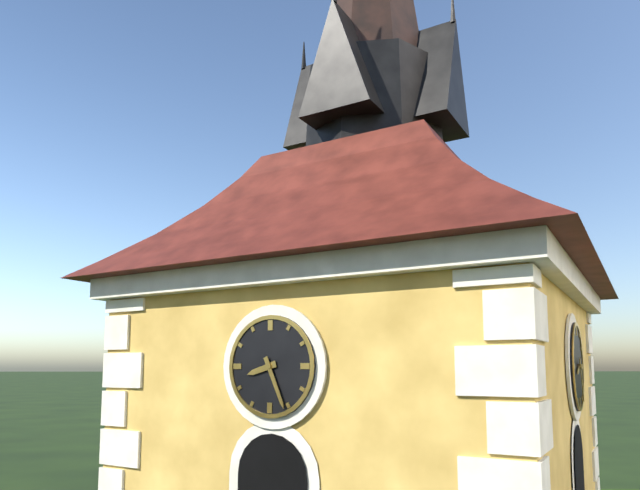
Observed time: 8:26
